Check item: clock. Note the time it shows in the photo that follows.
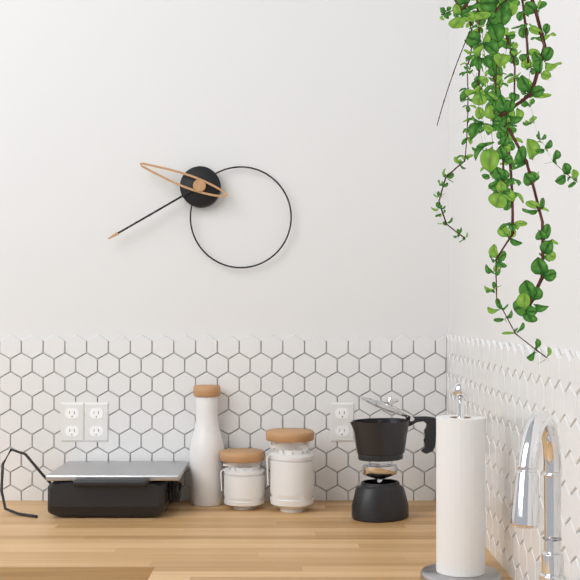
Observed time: 9:40
